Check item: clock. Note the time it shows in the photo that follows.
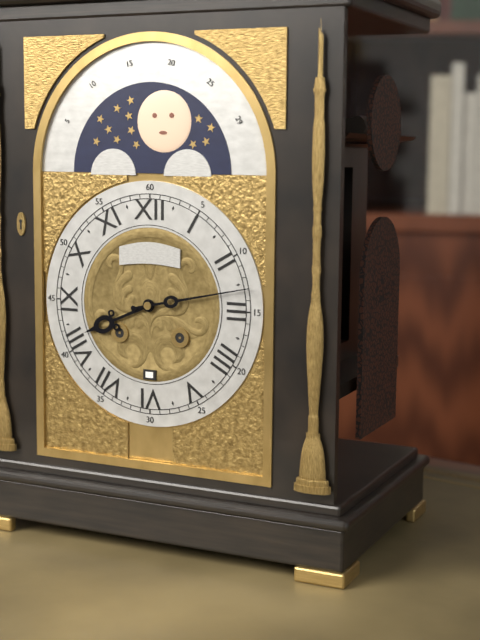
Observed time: 8:13
